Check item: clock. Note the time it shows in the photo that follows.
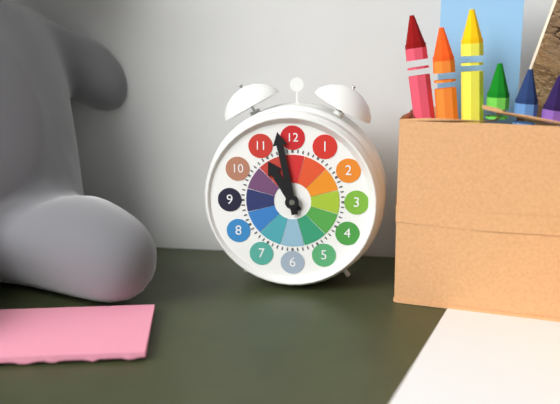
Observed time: 10:58
